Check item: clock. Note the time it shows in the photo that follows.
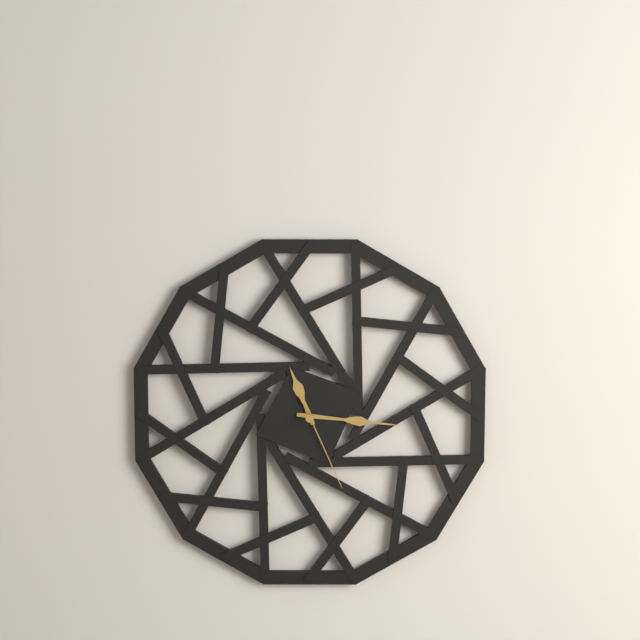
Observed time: 11:16:26
